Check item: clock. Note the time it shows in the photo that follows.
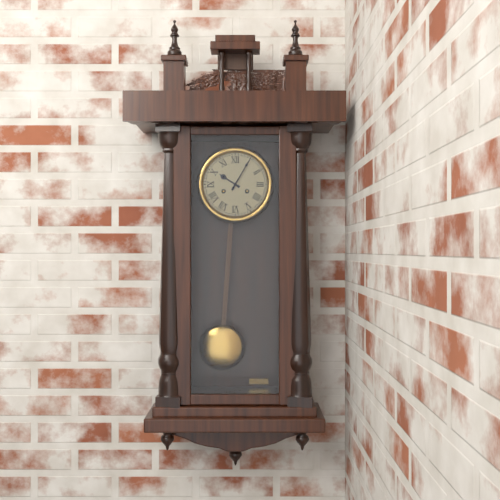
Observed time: 10:05
